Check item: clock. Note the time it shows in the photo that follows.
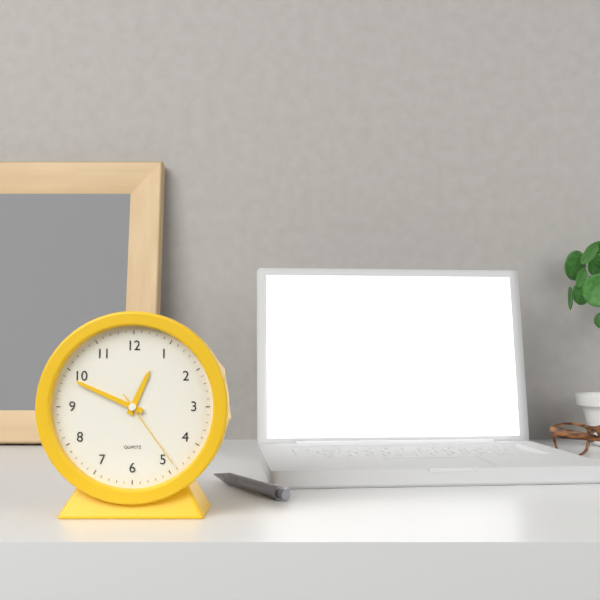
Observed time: 12:49:24
